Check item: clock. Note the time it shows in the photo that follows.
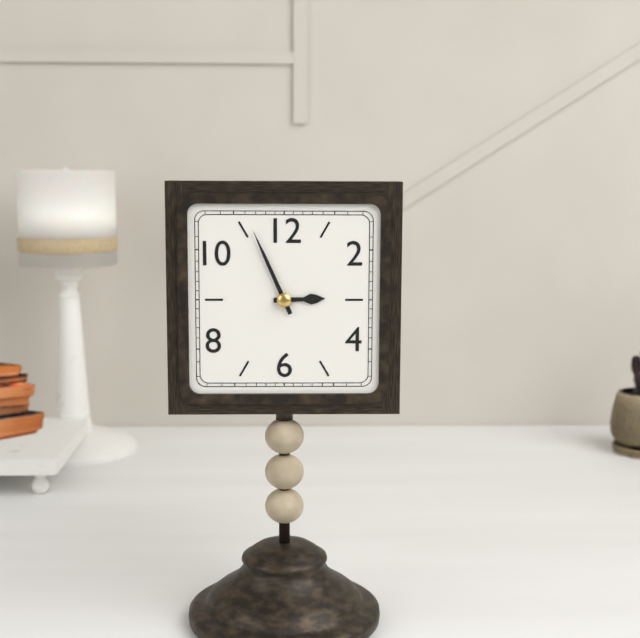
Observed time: 2:56
